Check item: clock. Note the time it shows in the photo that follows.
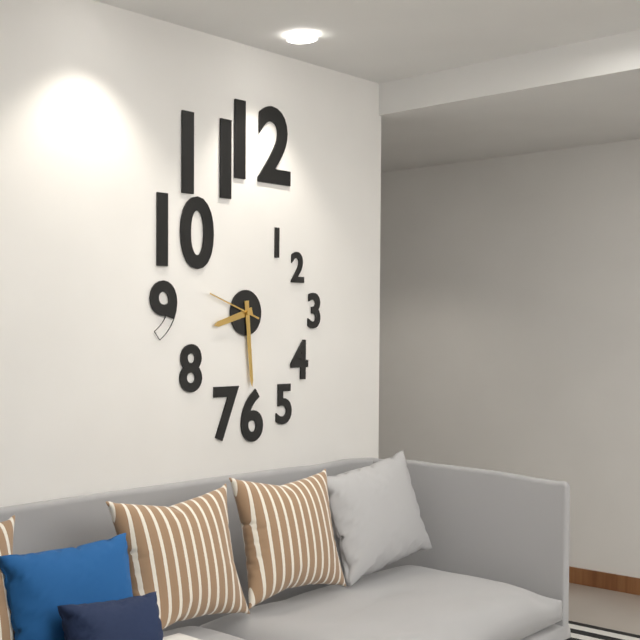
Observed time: 8:29
